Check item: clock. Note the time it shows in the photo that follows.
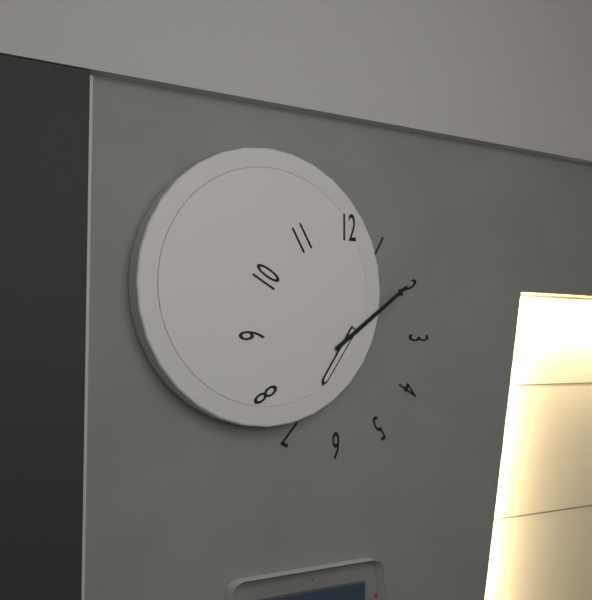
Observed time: 7:09
